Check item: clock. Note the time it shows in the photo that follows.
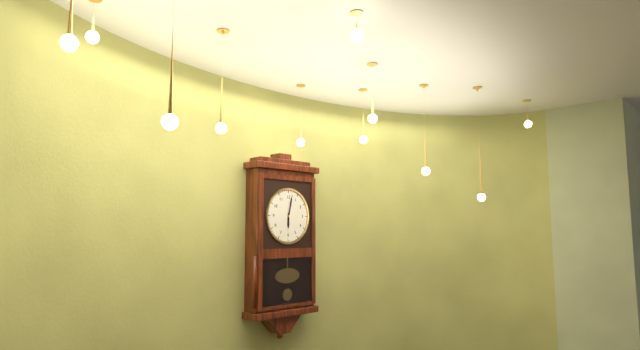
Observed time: 6:02
